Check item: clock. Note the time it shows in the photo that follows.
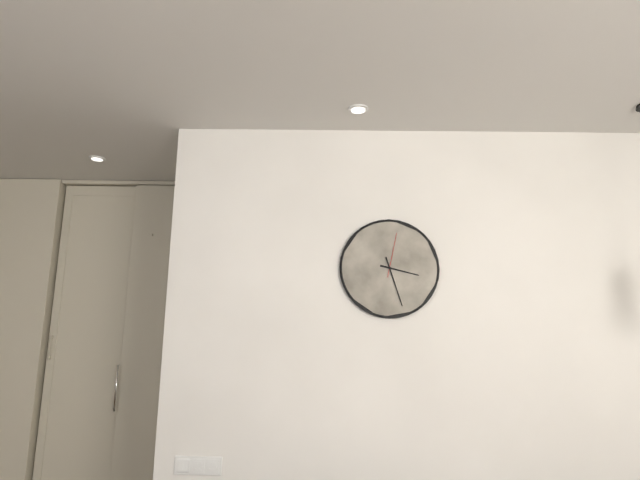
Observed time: 3:27
